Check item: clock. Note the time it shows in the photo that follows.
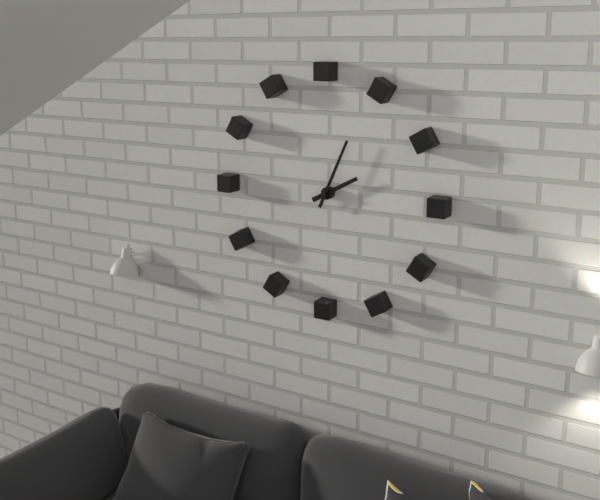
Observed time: 2:04
